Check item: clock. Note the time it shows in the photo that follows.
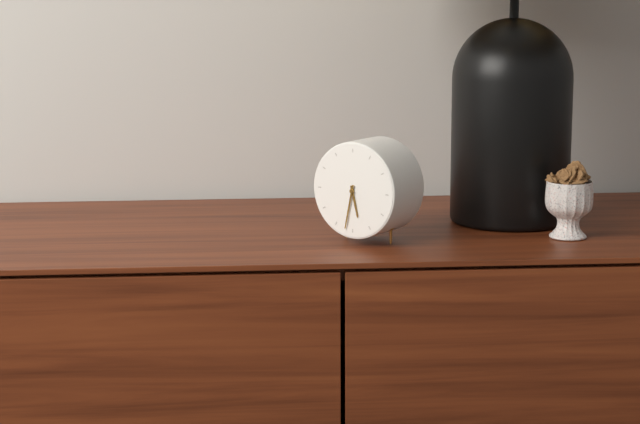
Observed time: 5:32
